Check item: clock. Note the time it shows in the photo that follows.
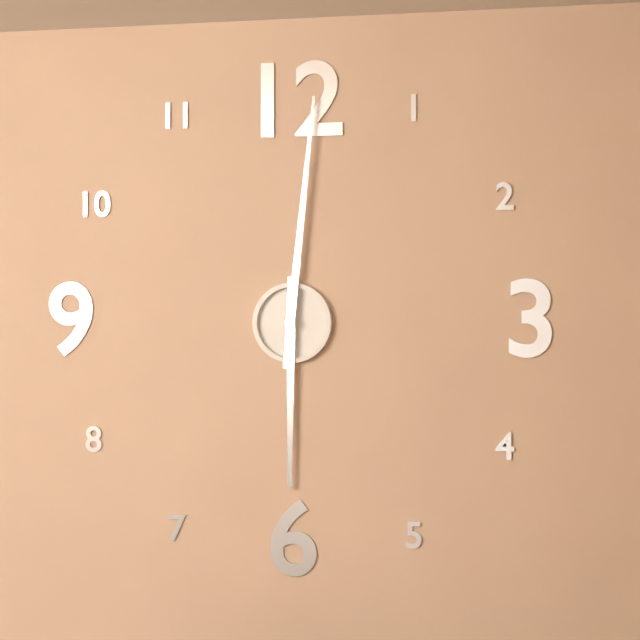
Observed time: 6:01
